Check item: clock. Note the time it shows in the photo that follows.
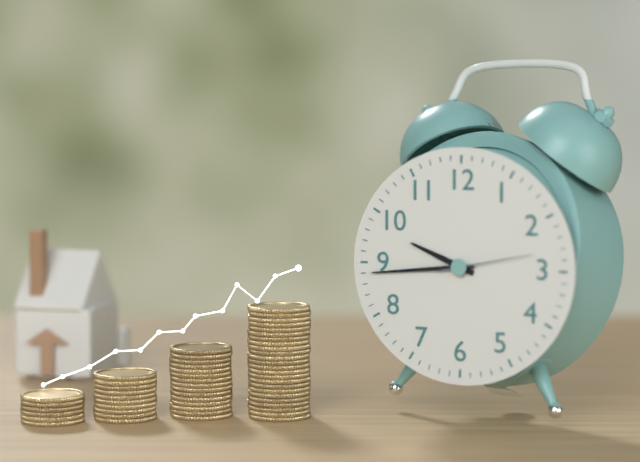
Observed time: 9:44:13
